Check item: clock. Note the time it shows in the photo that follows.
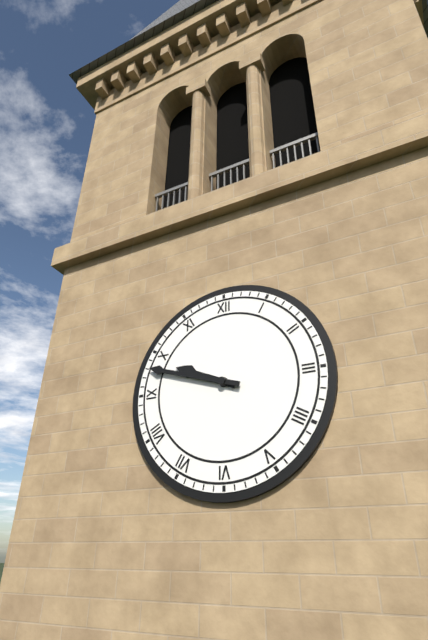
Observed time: 9:48
